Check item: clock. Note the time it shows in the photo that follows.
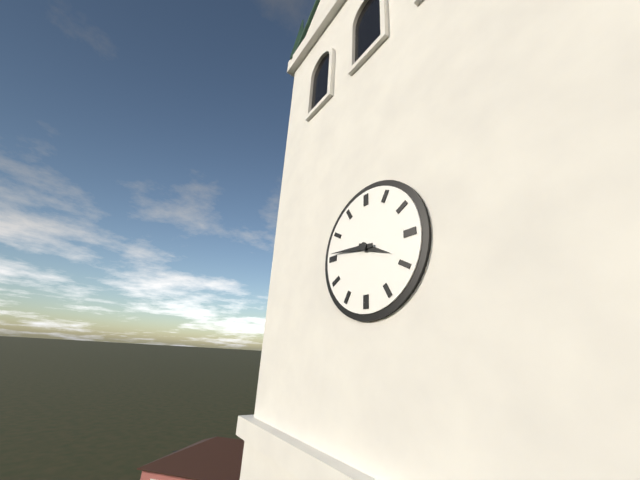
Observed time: 3:46
